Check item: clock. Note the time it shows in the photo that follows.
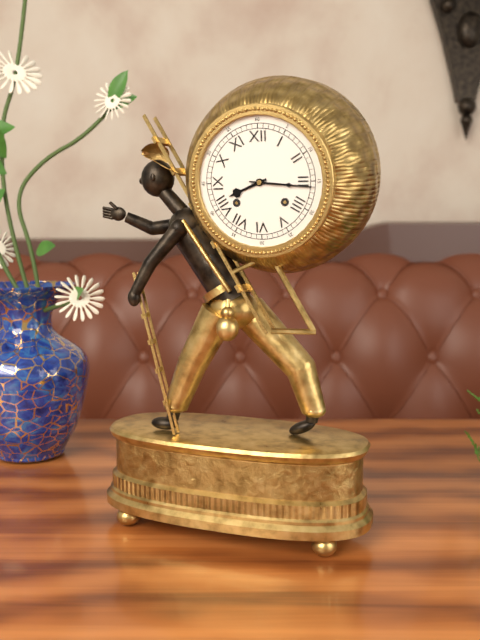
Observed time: 8:16
